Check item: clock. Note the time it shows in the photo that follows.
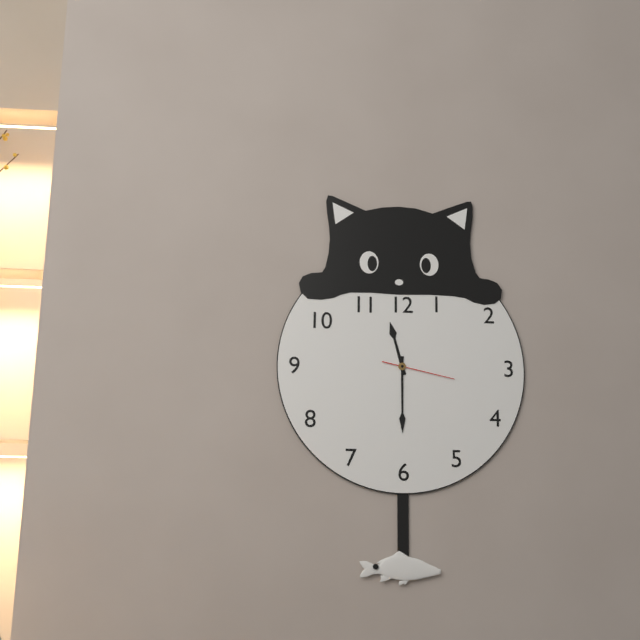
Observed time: 11:30:17
